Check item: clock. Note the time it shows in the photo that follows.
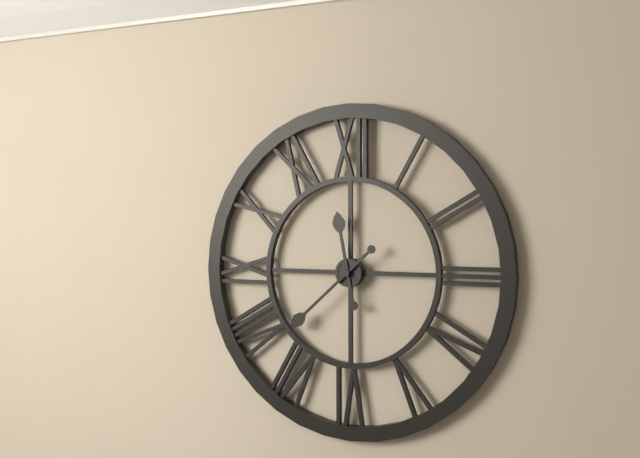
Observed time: 11:38
